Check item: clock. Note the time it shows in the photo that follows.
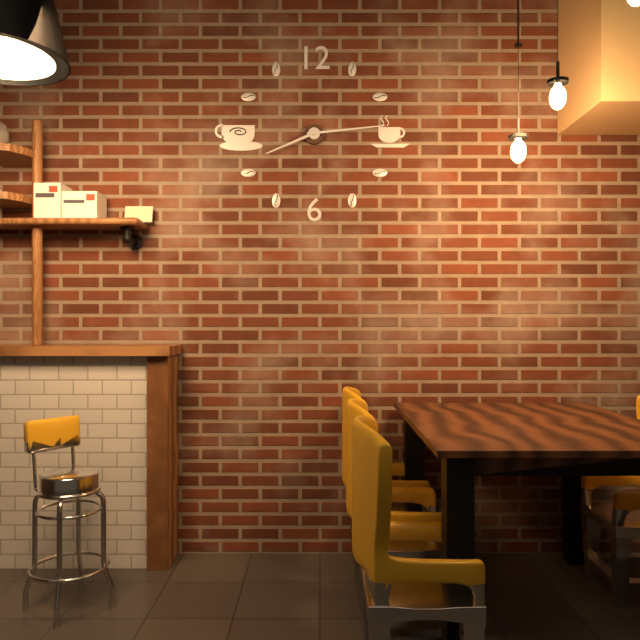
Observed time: 8:14
